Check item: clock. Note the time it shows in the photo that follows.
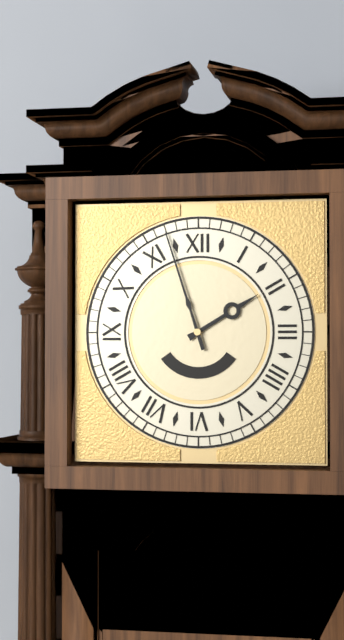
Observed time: 1:57
